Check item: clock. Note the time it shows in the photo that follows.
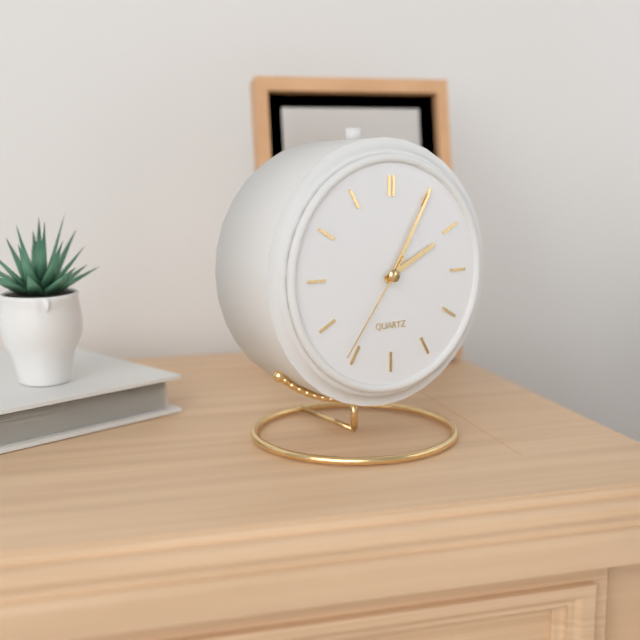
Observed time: 2:05:36
